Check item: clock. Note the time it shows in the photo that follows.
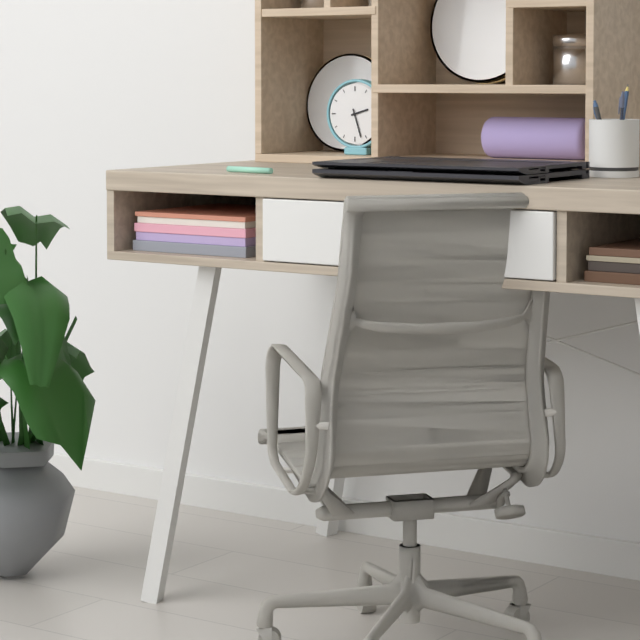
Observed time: 2:27
